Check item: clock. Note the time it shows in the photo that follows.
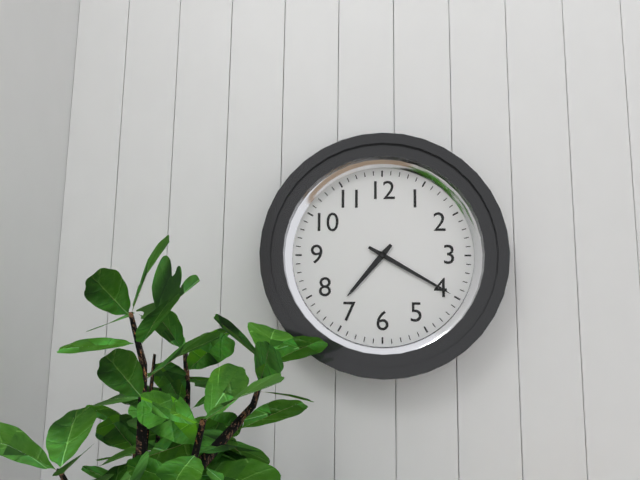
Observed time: 7:20
